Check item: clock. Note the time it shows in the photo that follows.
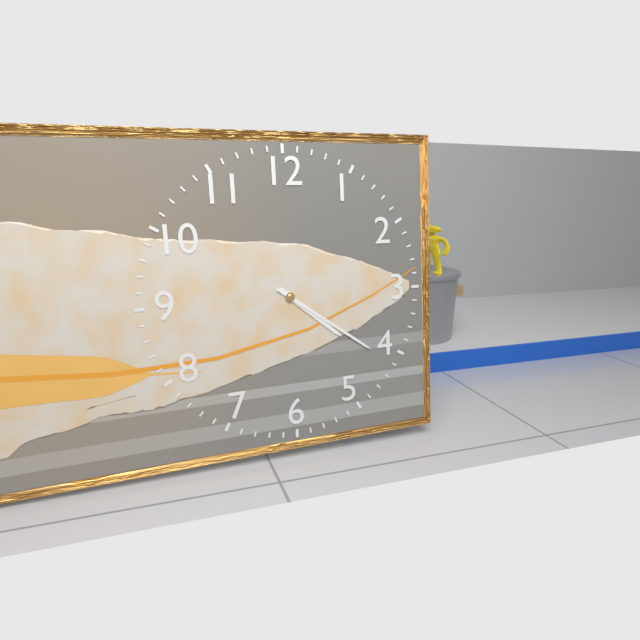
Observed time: 4:21
